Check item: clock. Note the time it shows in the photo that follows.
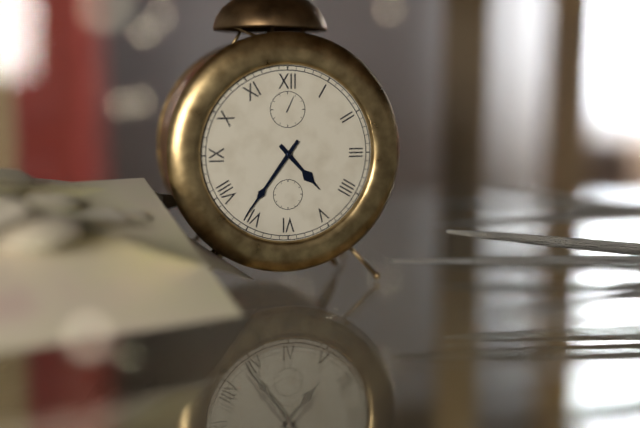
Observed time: 4:36
